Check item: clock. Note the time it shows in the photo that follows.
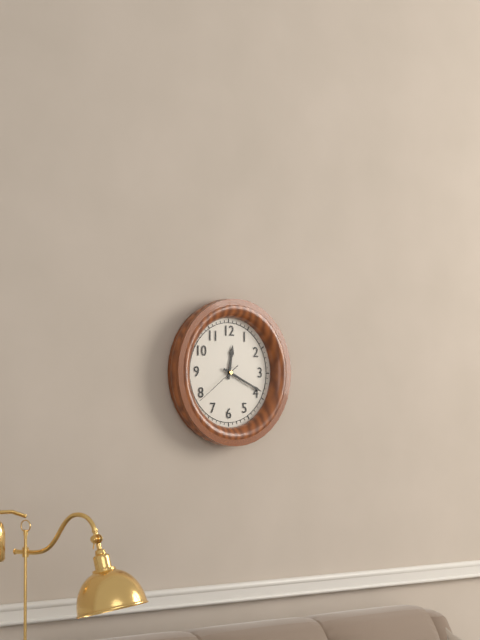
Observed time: 12:19:39
